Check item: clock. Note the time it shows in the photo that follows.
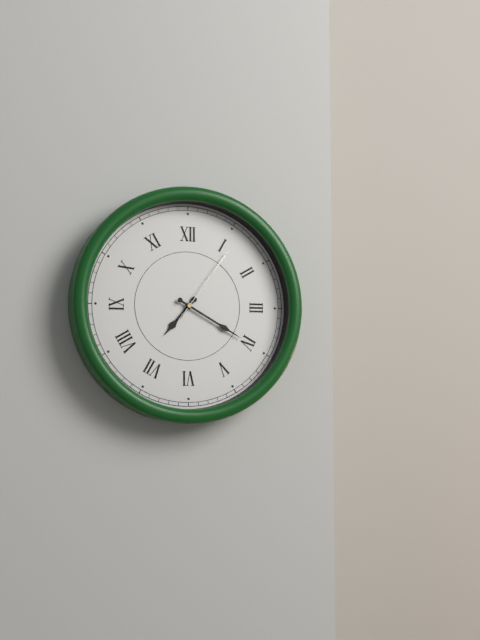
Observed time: 7:20:06
